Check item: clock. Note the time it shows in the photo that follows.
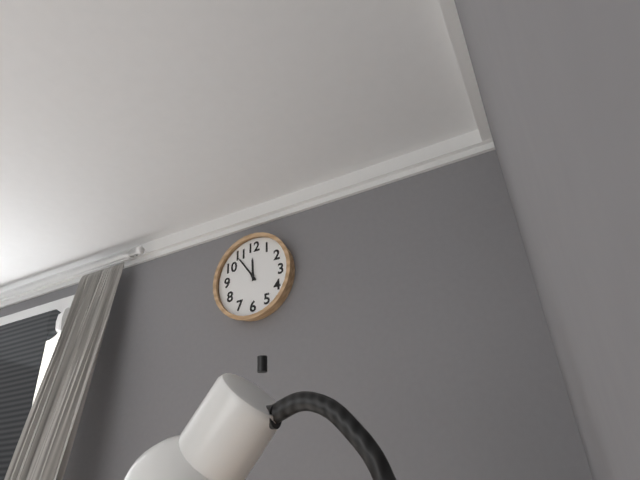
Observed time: 11:54
